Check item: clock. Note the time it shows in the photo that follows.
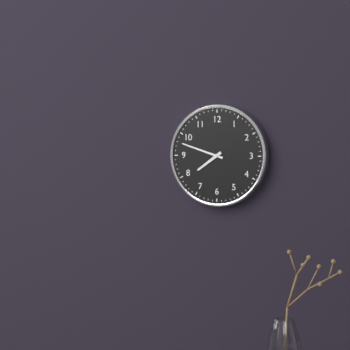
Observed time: 7:48
